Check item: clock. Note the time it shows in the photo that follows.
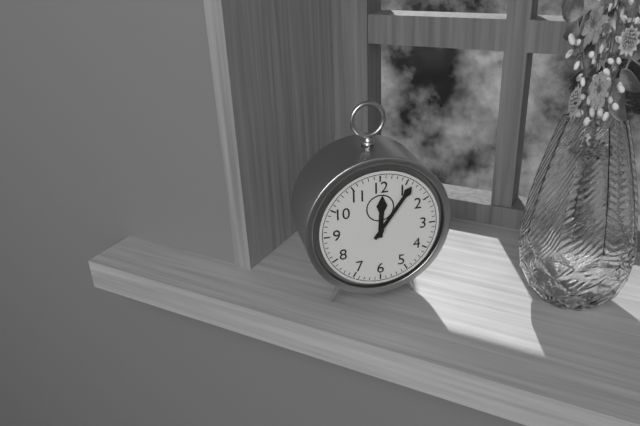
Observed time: 12:06
